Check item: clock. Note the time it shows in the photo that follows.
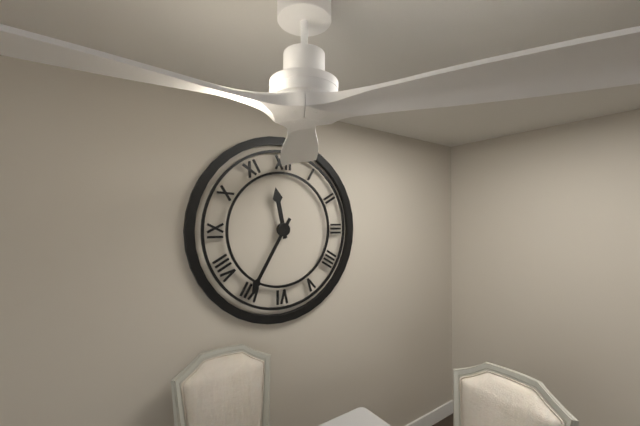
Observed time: 11:35
